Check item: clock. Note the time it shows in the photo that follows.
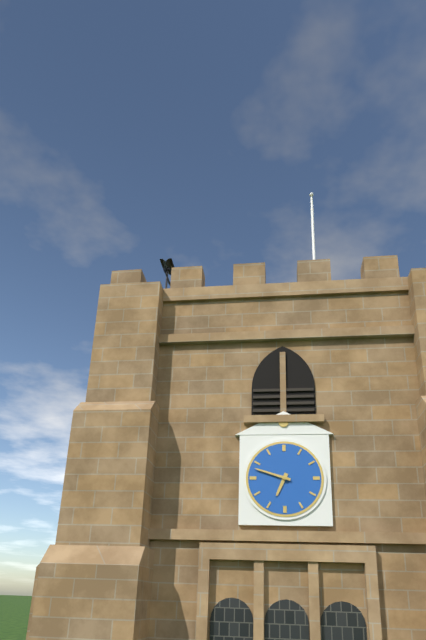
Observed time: 6:48
